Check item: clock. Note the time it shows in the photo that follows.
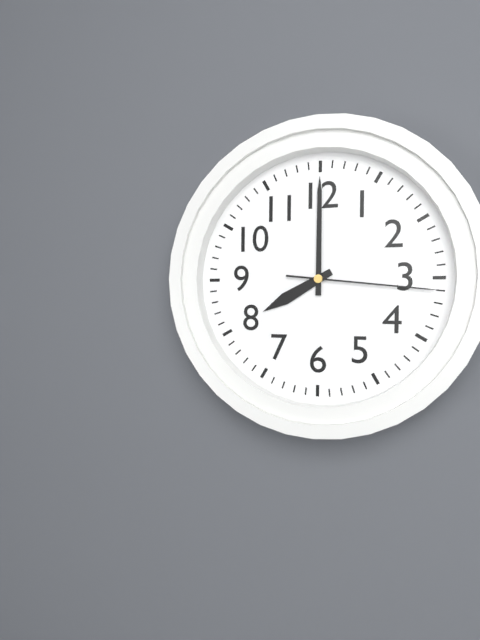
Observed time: 8:00:16
